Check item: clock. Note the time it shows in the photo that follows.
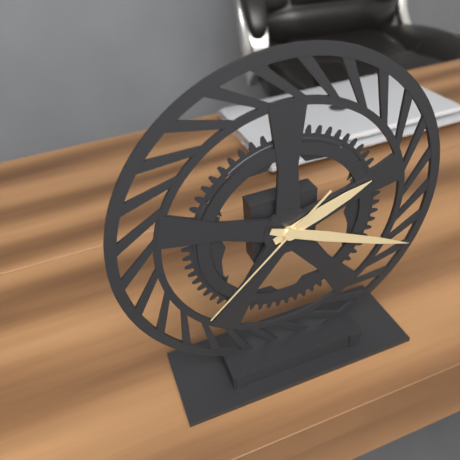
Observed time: 2:19:38
